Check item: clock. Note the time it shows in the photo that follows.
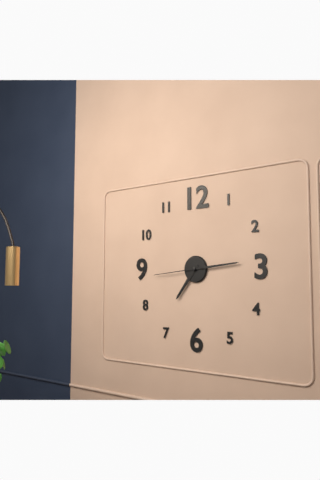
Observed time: 7:14:44
